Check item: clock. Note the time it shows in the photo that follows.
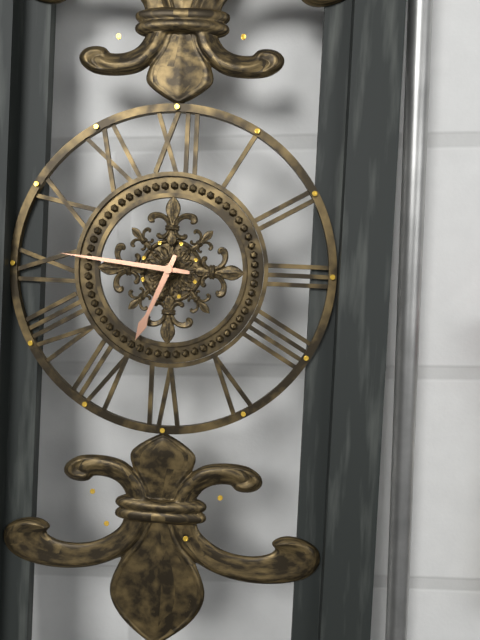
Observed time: 6:46
